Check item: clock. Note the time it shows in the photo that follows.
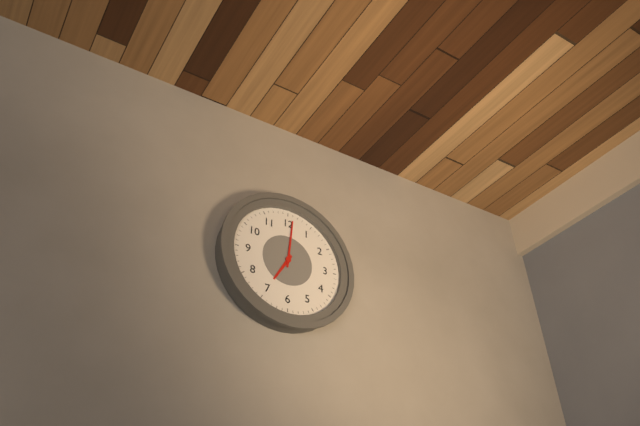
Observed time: 7:01
